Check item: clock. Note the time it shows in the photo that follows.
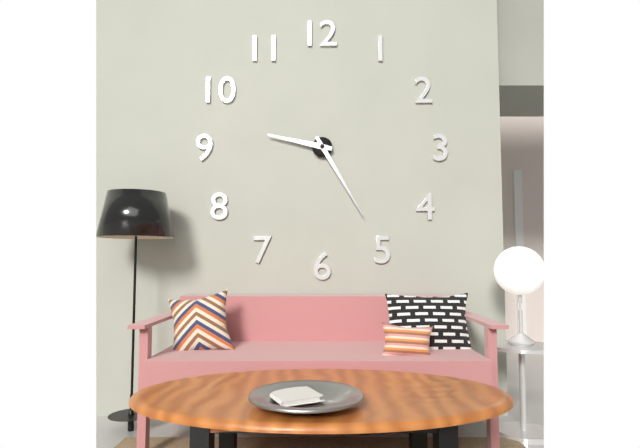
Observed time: 9:25
